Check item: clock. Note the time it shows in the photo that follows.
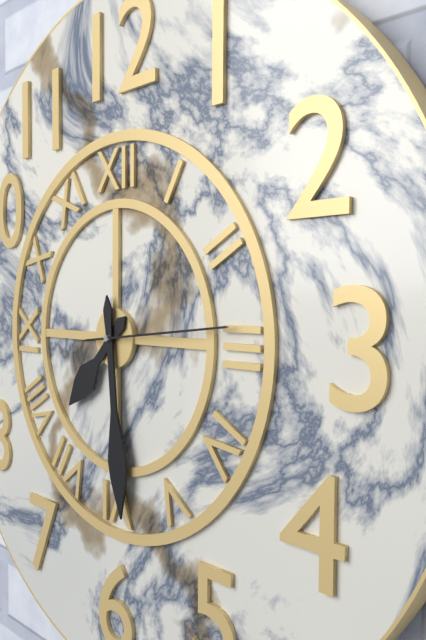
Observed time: 7:29:14
